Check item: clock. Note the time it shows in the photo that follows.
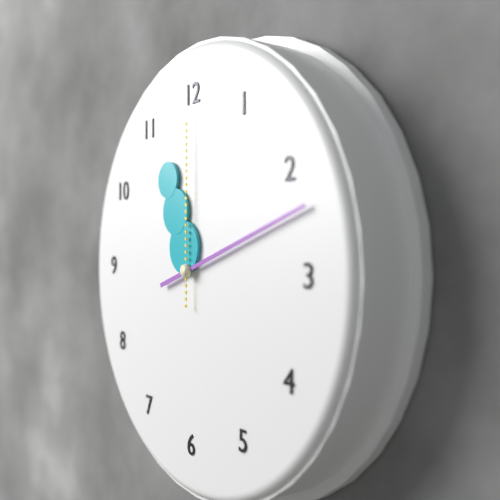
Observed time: 11:12:00
